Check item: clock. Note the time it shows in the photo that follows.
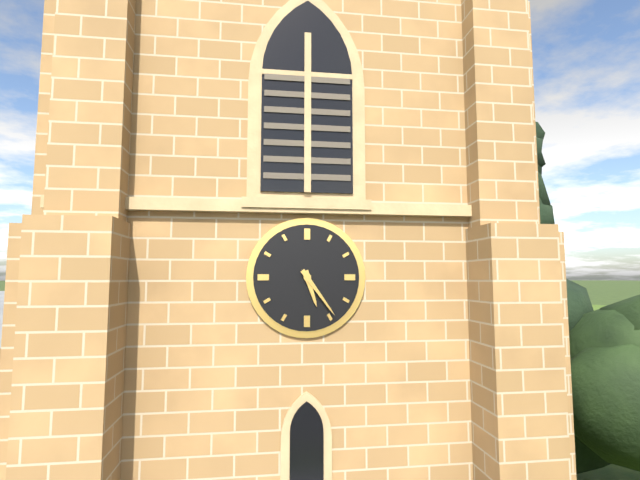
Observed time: 5:24
